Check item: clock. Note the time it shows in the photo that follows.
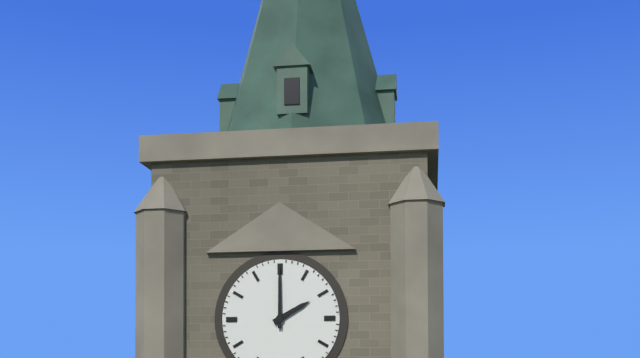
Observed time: 2:00
